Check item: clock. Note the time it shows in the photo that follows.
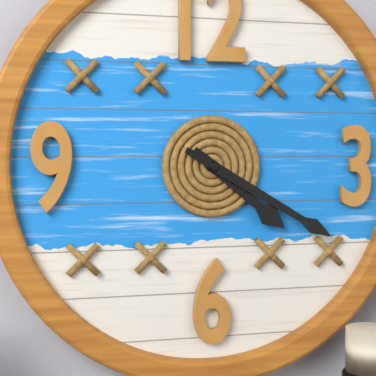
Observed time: 4:20
